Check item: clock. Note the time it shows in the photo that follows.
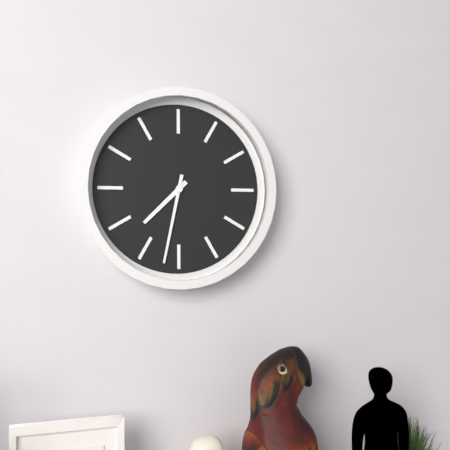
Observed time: 7:32
